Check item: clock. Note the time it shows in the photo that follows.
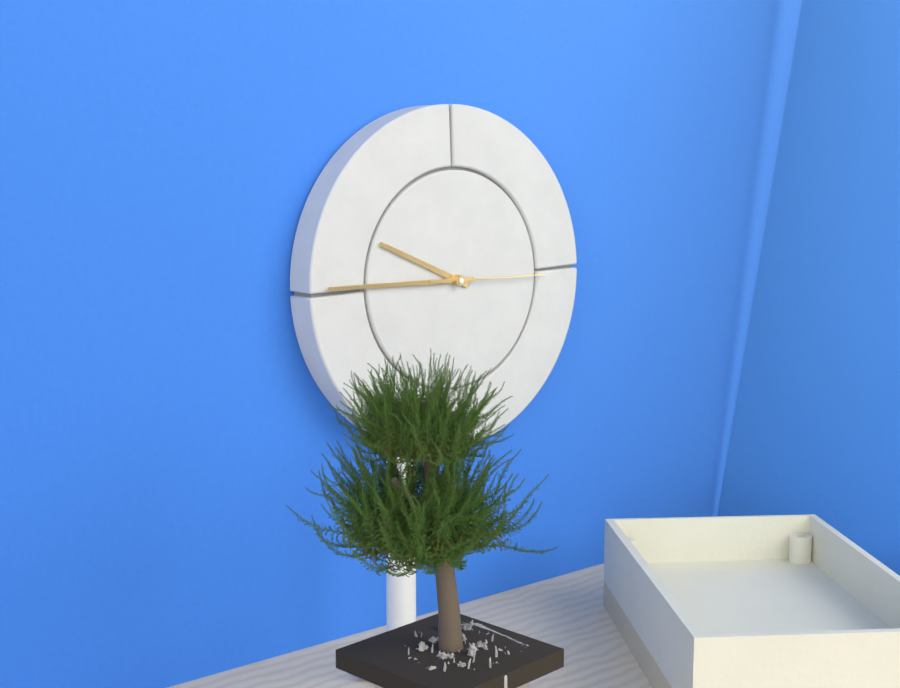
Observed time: 9:45:15
